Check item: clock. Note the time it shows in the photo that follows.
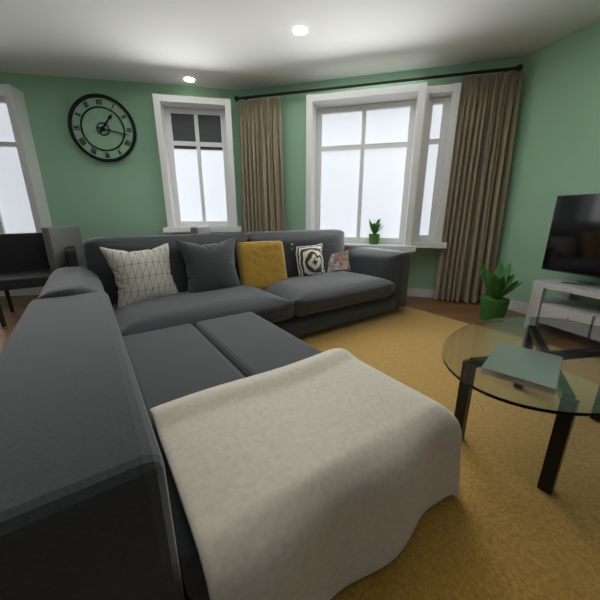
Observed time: 1:17
